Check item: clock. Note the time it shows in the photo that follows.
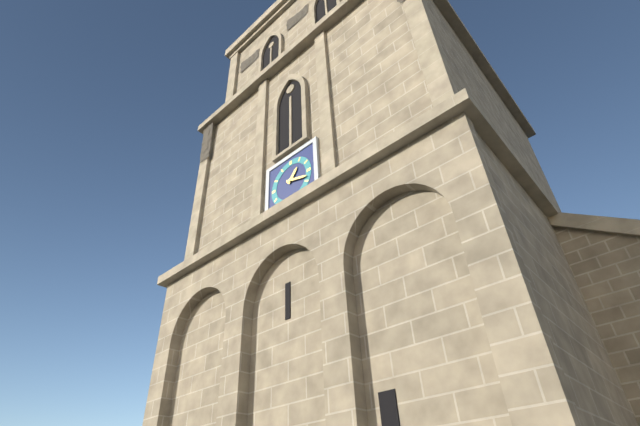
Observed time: 1:18
